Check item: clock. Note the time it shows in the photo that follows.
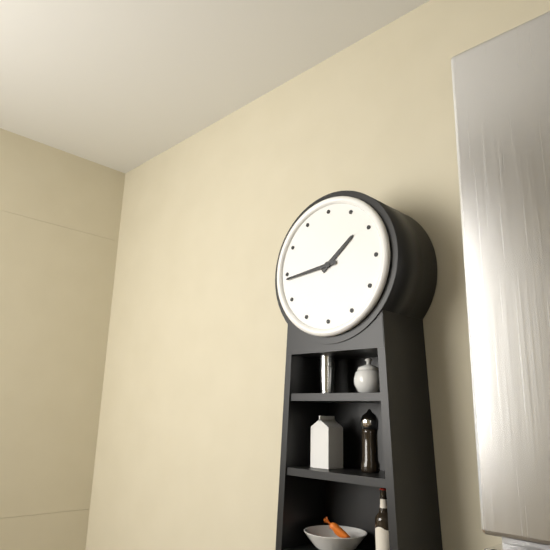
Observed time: 1:44
